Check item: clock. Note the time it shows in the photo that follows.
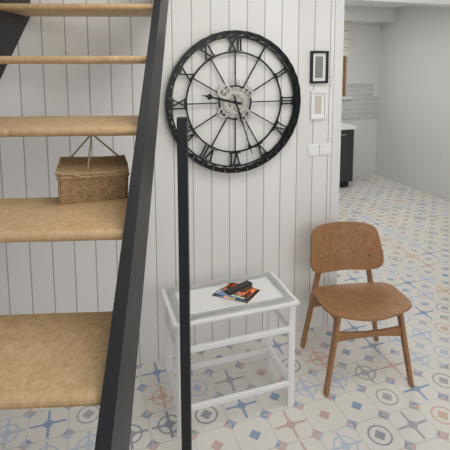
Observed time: 9:27
